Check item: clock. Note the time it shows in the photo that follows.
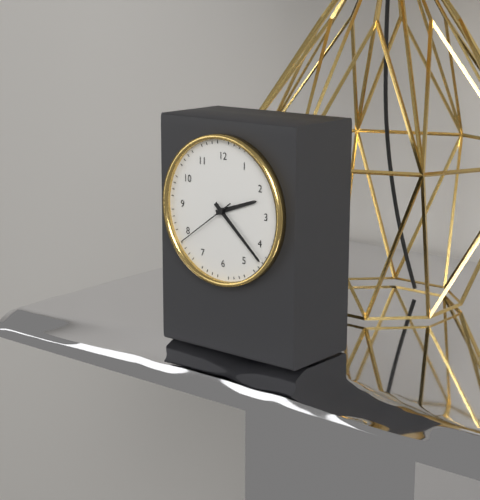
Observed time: 2:22:39
